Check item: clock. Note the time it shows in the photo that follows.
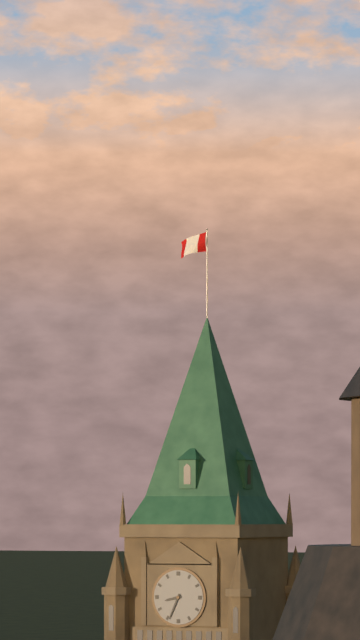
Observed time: 8:34
